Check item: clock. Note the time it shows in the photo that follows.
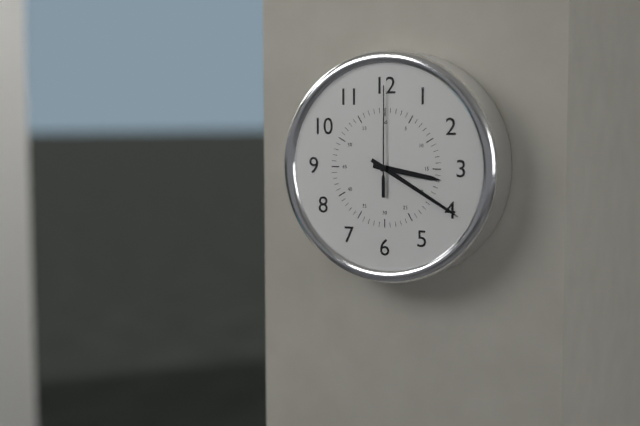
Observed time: 3:20:00
